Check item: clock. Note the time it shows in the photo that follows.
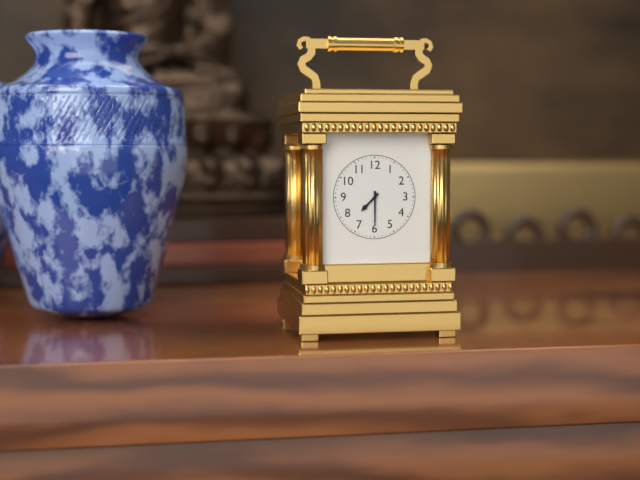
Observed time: 7:30
